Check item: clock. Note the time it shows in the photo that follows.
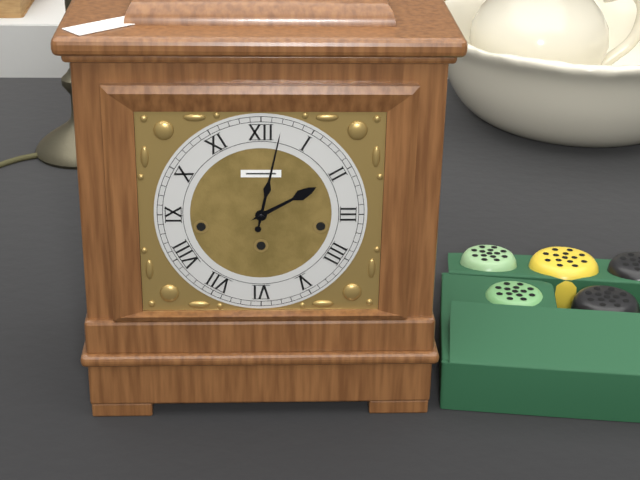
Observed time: 2:02
